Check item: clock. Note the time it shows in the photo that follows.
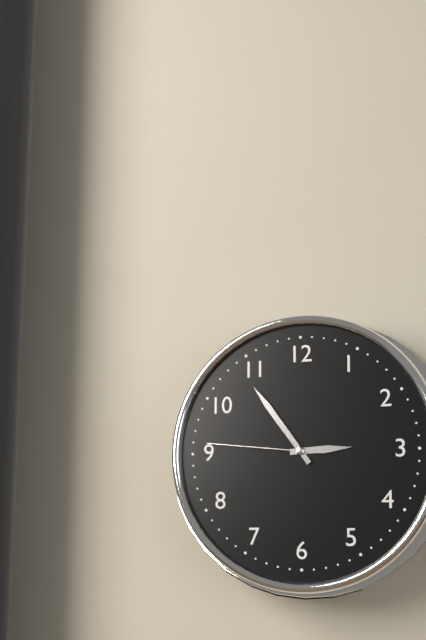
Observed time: 2:54:46
